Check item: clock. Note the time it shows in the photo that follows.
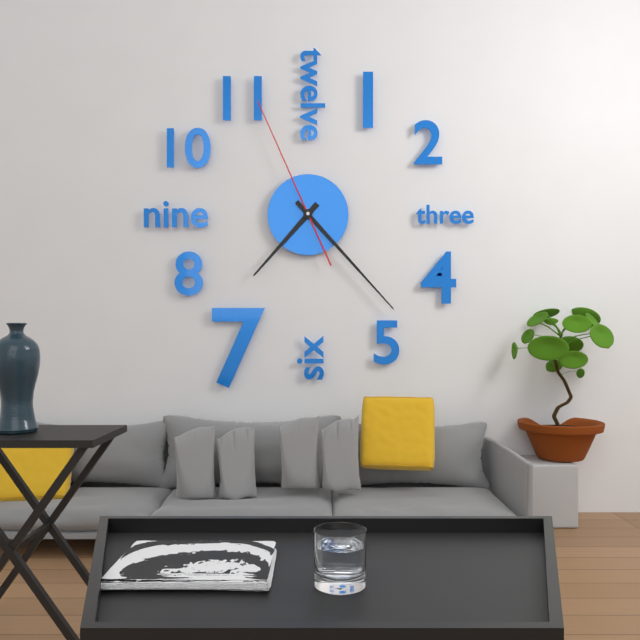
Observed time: 7:23:56
